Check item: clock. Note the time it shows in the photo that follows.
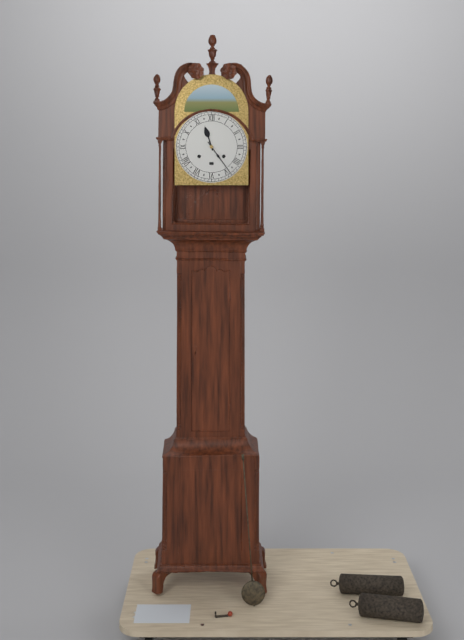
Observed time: 11:24
